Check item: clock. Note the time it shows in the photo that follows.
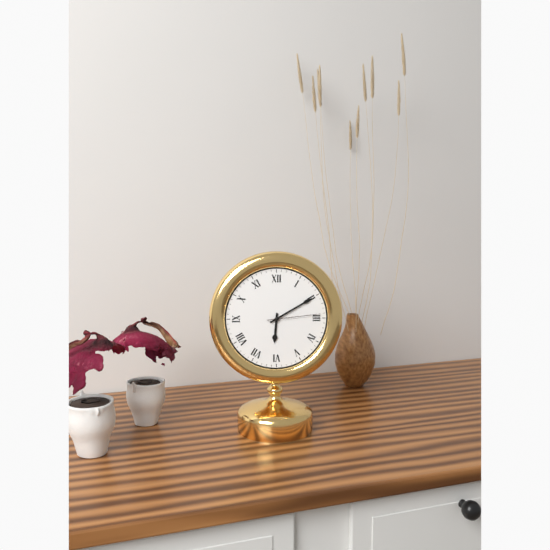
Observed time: 6:10:14
